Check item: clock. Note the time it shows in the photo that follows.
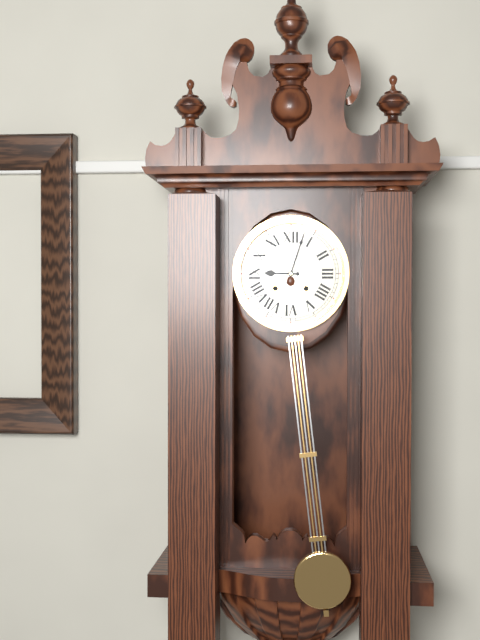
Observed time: 9:03
